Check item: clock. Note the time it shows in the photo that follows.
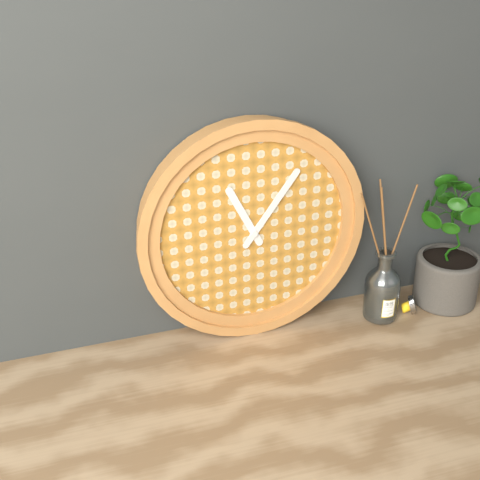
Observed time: 11:06
